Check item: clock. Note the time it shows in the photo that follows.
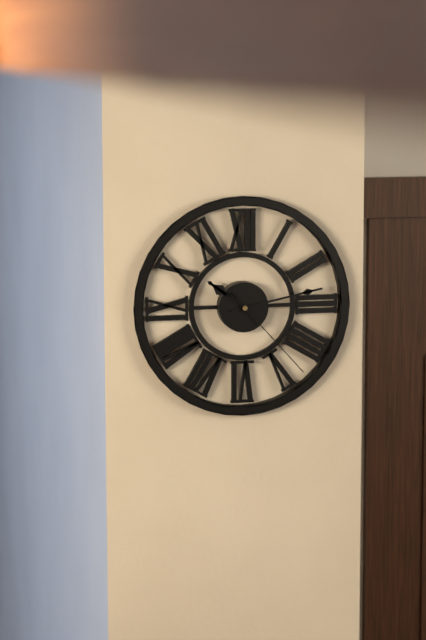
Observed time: 10:13:23
